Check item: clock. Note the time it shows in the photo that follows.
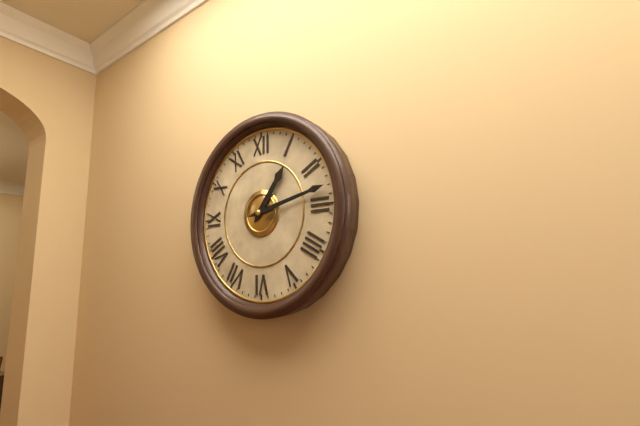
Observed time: 1:13
